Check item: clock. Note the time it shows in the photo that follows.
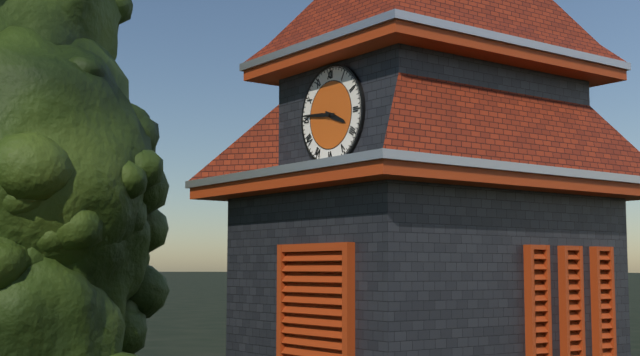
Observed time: 3:46
